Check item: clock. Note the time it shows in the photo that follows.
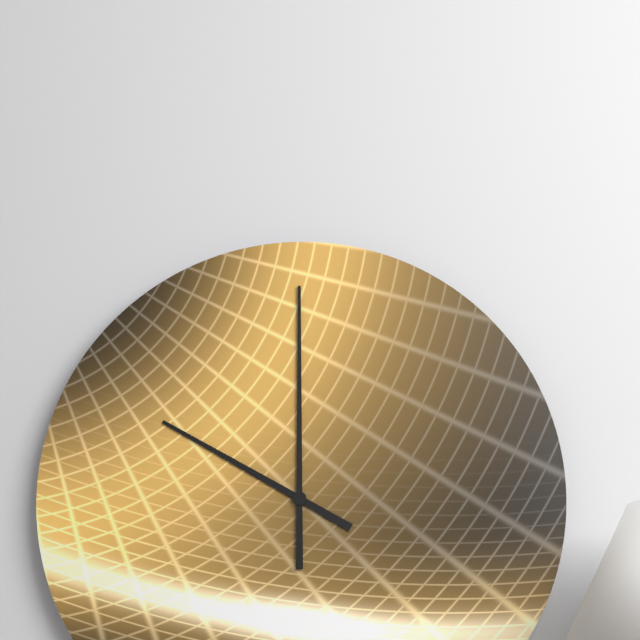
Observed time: 10:00
